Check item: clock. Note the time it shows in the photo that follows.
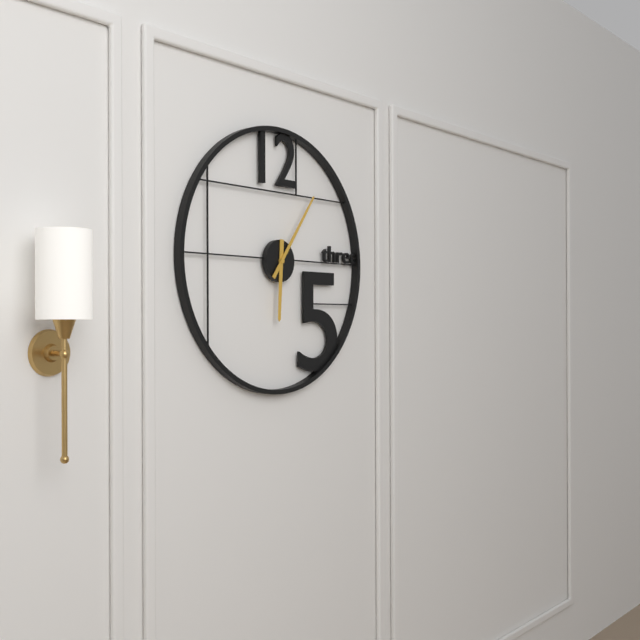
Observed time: 6:06
